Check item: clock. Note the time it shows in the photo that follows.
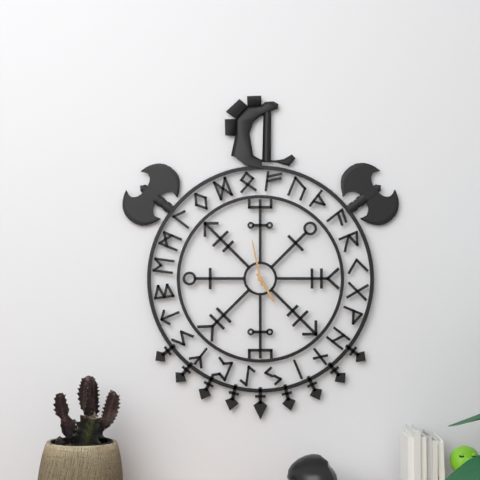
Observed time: 4:58
